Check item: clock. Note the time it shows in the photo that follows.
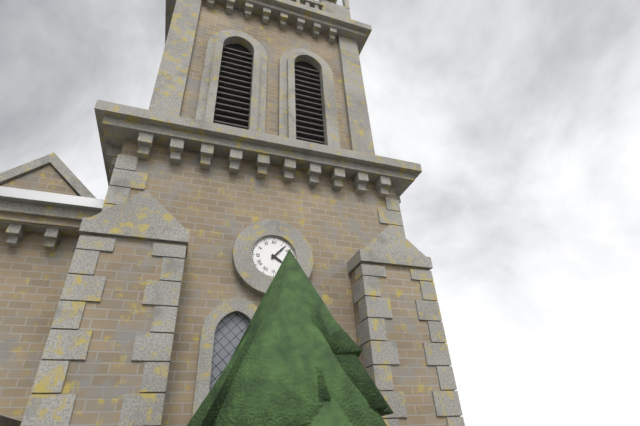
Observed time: 4:07
